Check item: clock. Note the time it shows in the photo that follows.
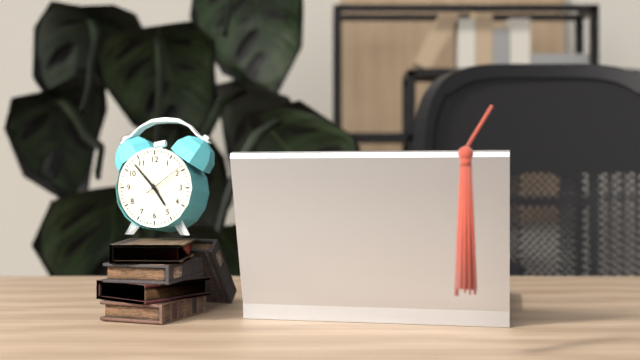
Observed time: 4:53
